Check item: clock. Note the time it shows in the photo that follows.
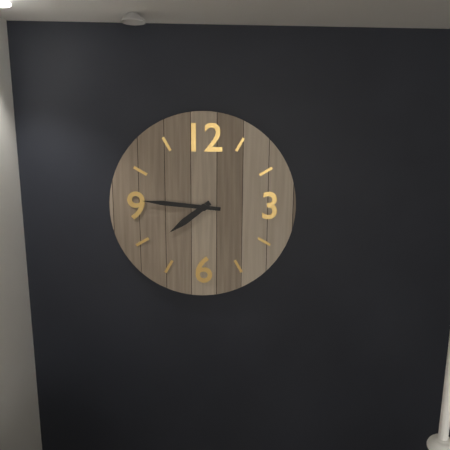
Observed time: 7:46
